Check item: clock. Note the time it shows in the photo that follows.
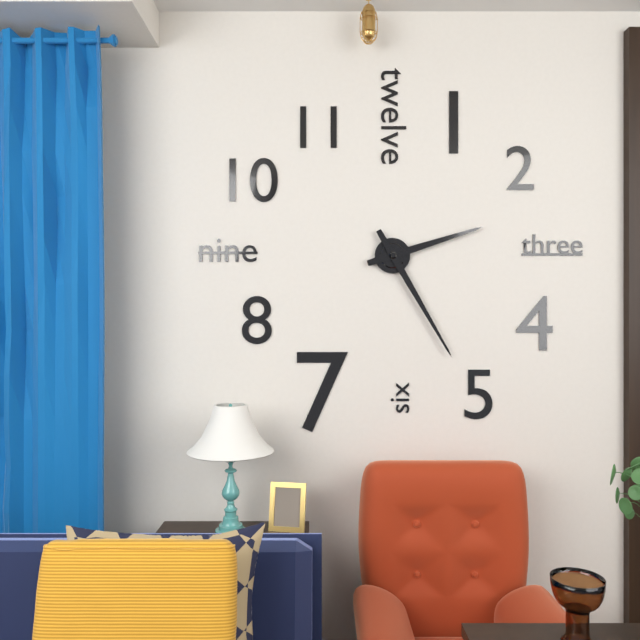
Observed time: 2:25
